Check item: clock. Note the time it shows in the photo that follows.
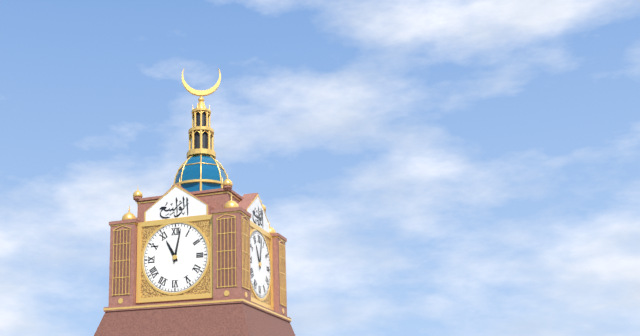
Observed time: 11:02
